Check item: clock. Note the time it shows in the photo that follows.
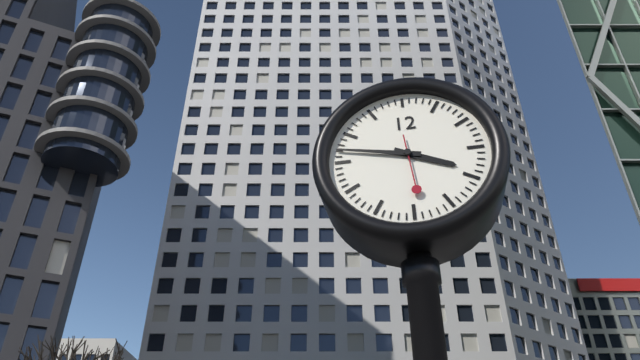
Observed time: 3:47:29
